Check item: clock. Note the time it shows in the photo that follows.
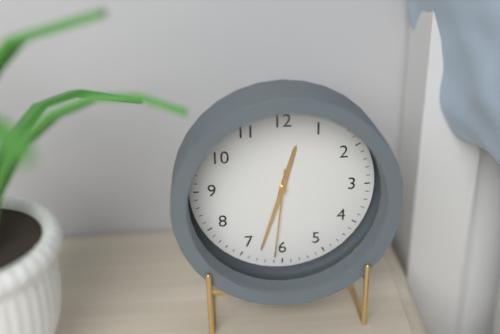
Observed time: 12:33:31
